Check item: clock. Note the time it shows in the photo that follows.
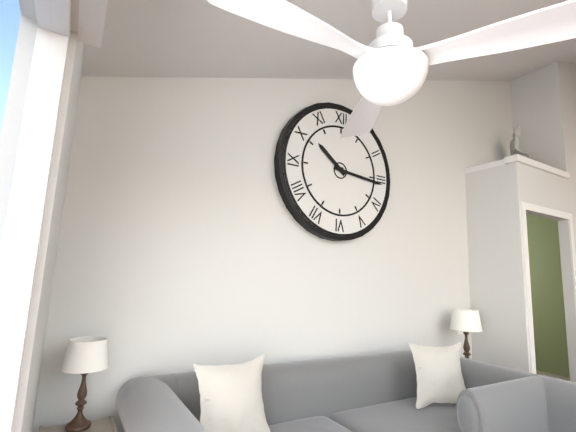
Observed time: 10:16
